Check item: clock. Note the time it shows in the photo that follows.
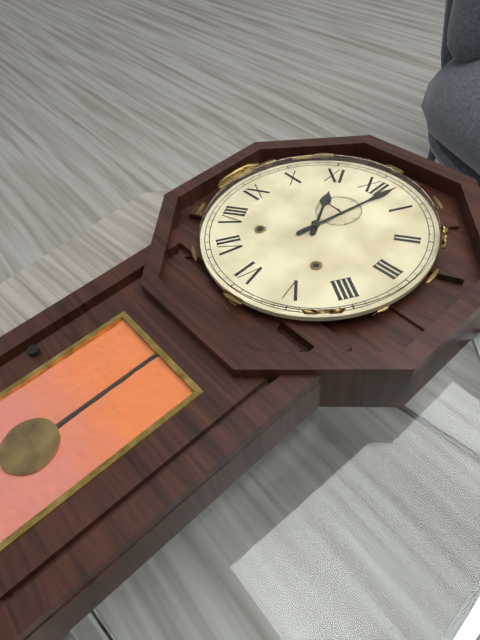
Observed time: 11:02:46
